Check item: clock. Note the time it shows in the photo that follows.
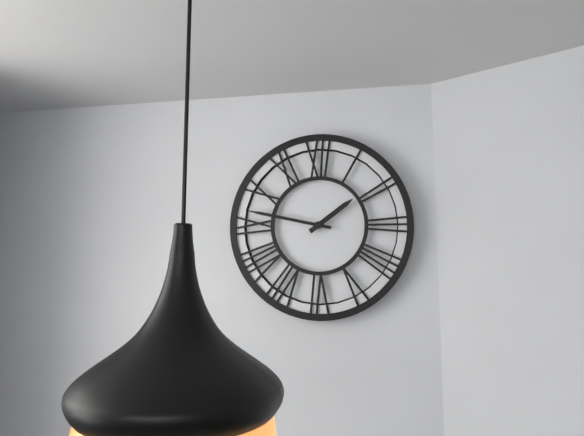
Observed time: 1:47
